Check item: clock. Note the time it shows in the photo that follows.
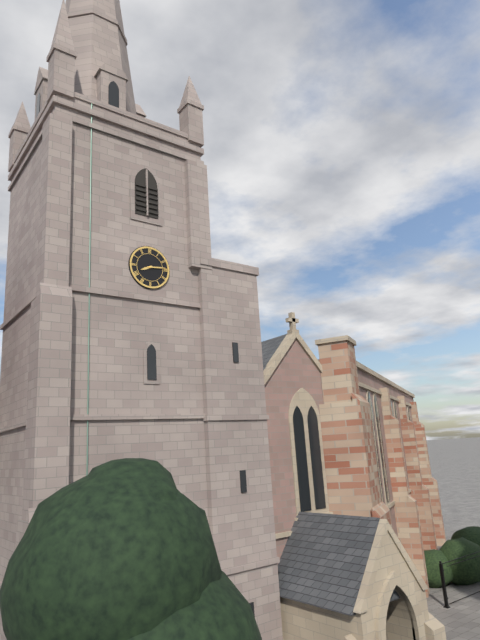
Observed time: 8:14
